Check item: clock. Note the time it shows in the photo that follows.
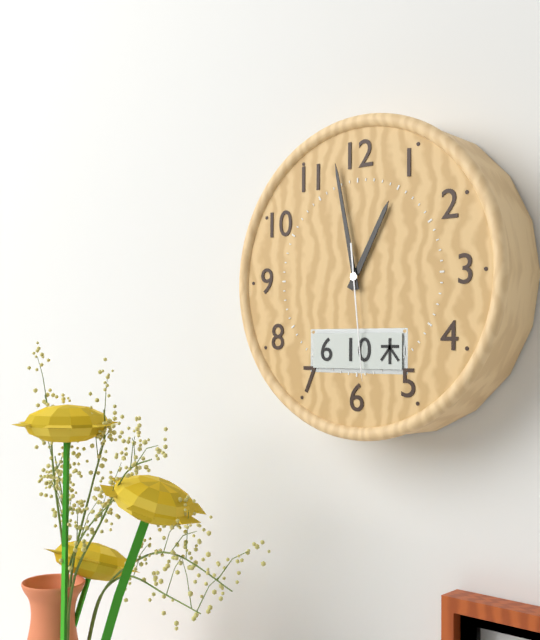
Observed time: 12:58:29
